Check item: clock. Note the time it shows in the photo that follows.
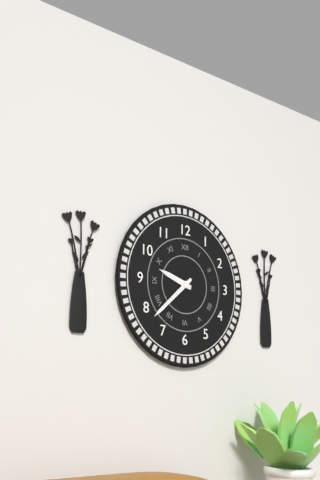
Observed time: 9:38
